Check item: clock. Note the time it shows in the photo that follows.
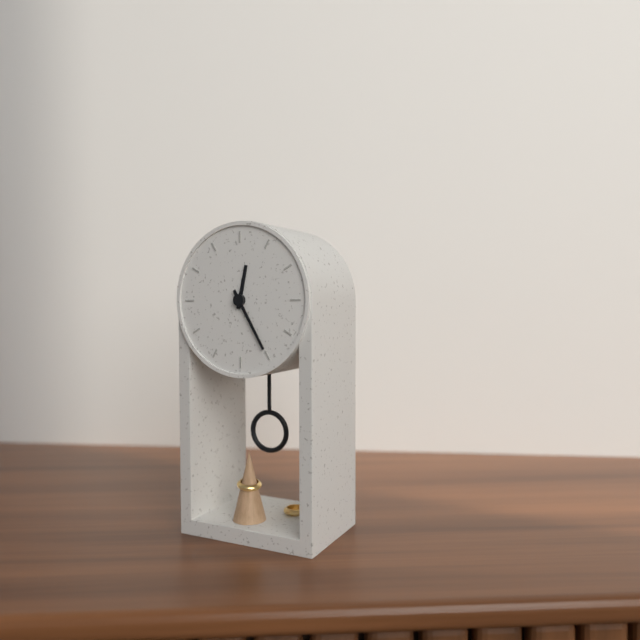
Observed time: 12:25
